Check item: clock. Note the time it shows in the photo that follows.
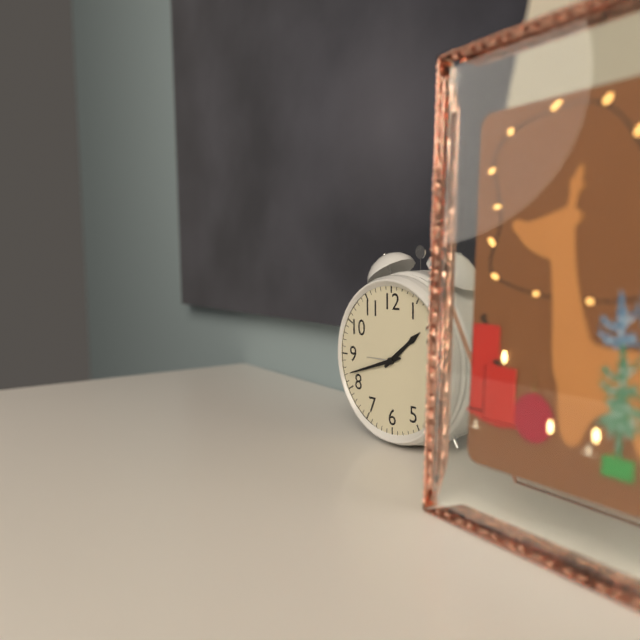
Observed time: 1:42
